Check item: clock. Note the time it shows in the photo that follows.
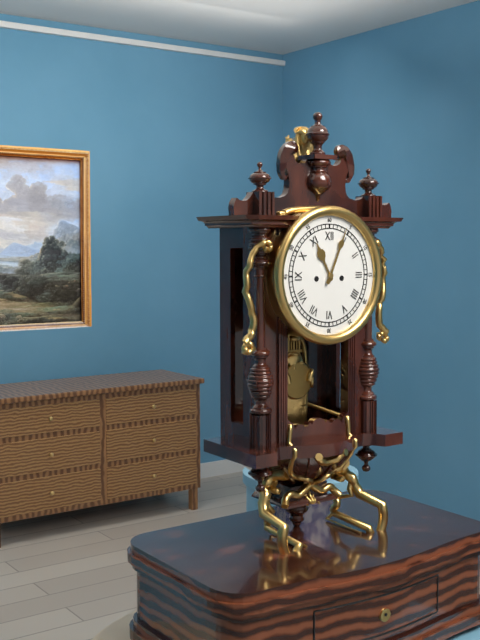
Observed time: 11:04
